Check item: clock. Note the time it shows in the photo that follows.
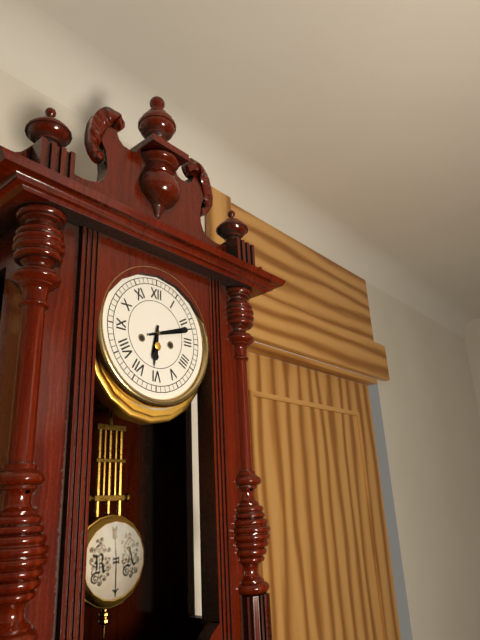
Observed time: 6:12
